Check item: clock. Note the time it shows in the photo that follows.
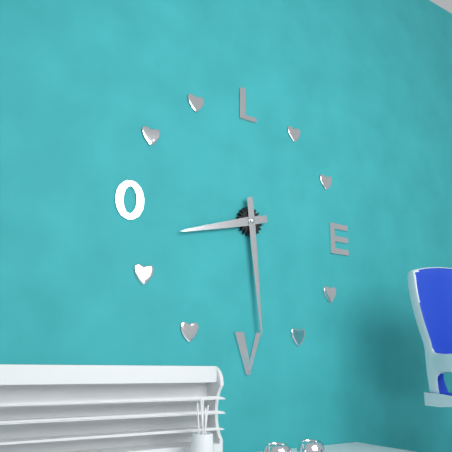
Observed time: 8:29
